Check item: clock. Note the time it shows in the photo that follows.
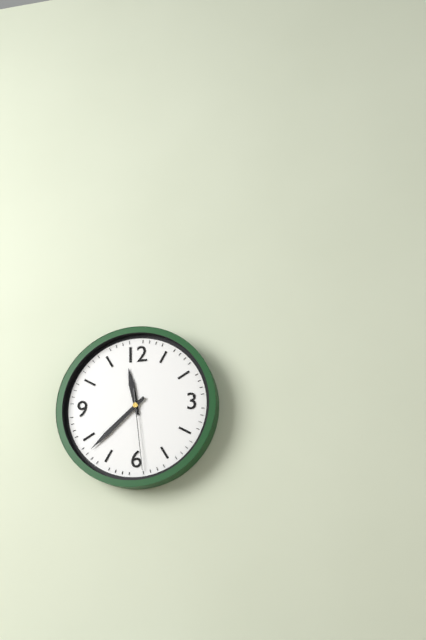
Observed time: 11:38:29
